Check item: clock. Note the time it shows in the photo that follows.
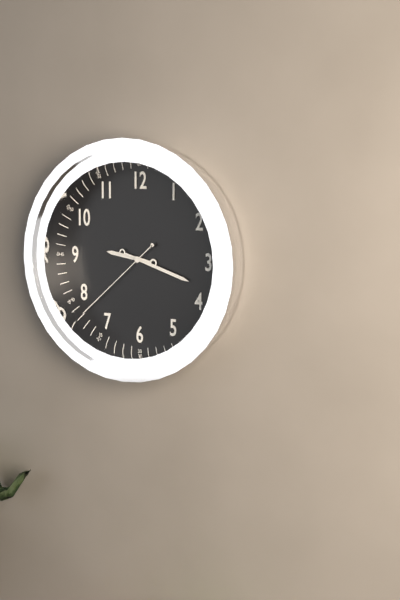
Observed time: 9:18:38
